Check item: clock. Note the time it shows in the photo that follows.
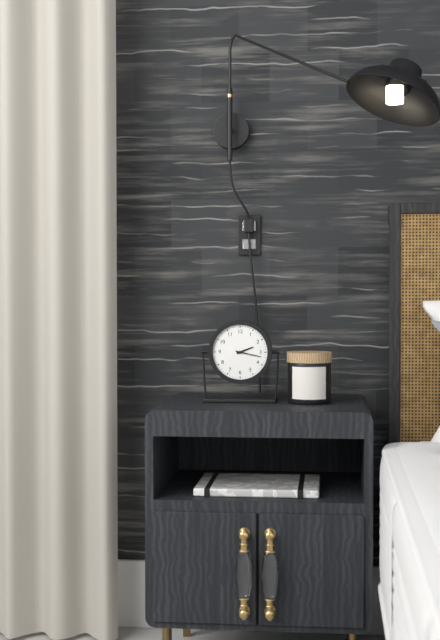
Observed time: 2:17
